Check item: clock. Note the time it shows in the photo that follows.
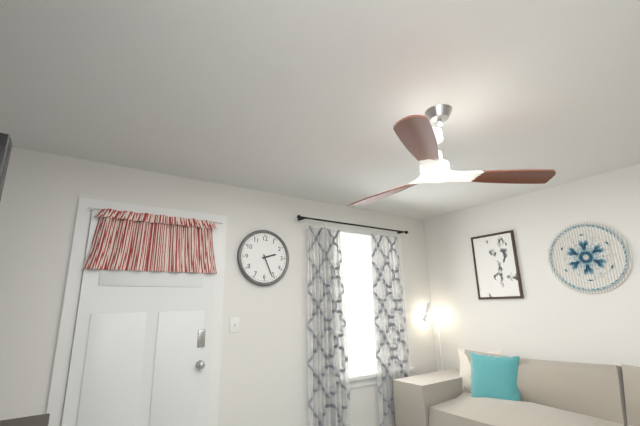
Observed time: 2:26
